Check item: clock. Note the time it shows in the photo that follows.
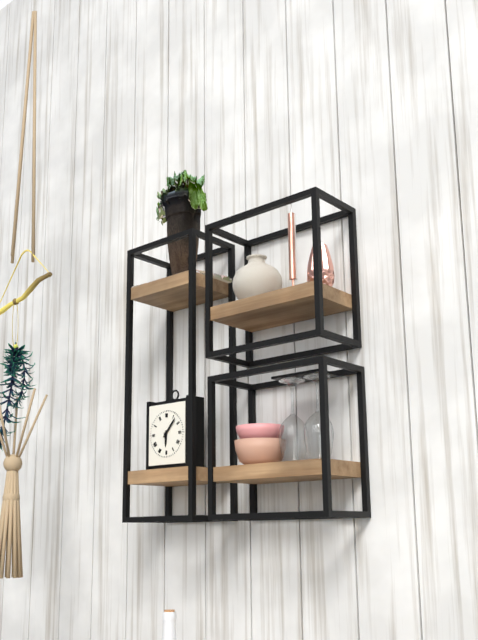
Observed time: 6:07
